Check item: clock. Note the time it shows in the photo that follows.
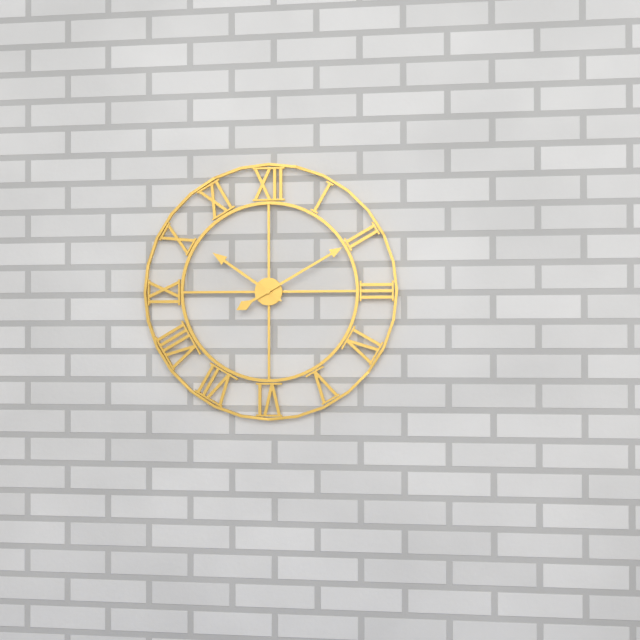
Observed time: 10:10
